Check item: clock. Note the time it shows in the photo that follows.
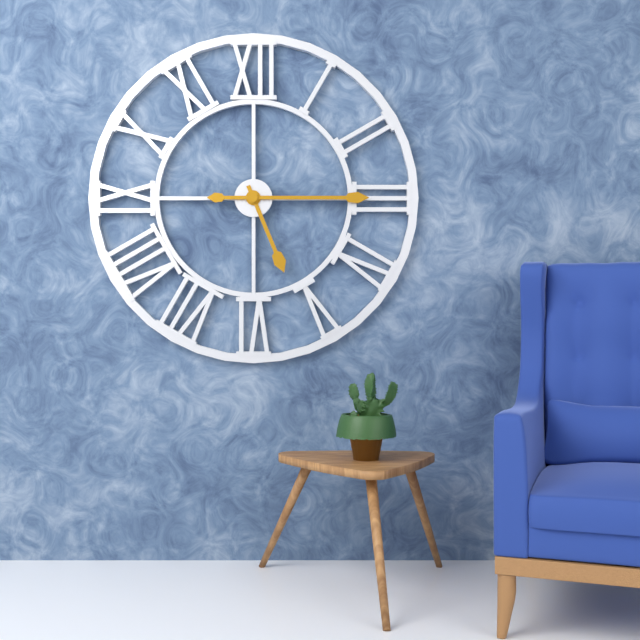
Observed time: 5:15
